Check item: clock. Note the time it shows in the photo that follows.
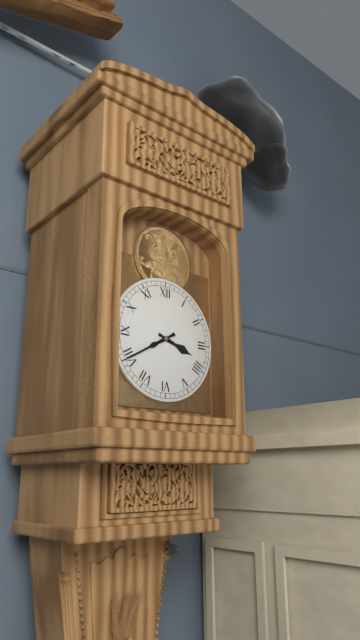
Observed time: 3:40
